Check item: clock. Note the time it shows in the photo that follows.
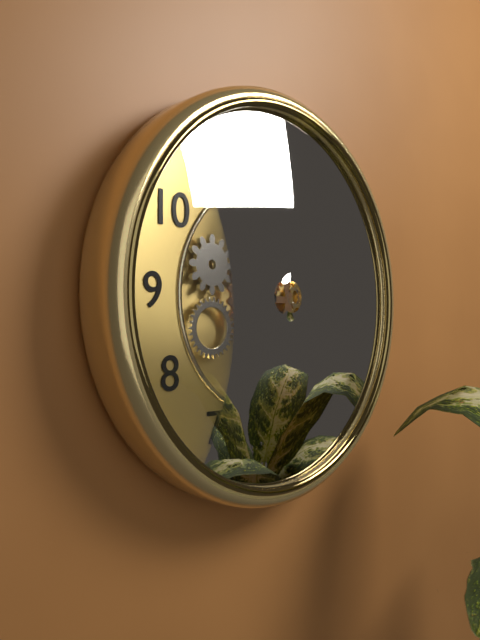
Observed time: 5:27
